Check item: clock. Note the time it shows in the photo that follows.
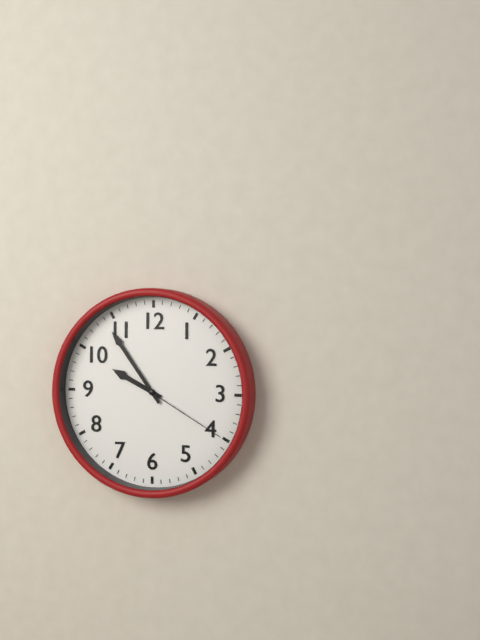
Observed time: 9:54:20
